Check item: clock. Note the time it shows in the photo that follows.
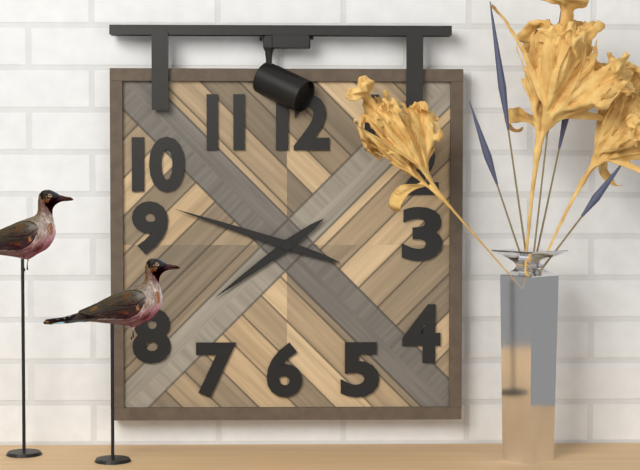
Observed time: 7:48
